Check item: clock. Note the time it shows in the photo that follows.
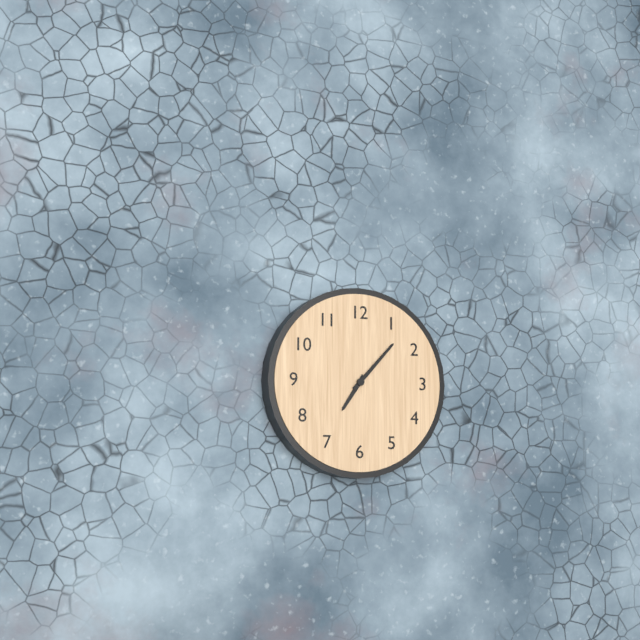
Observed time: 7:07
